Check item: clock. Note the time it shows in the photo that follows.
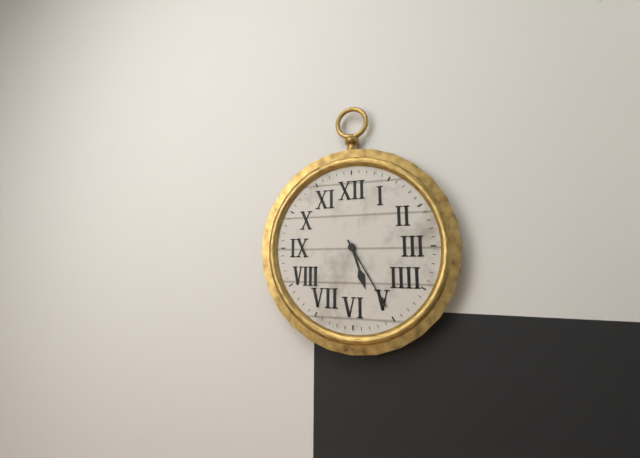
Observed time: 5:25
